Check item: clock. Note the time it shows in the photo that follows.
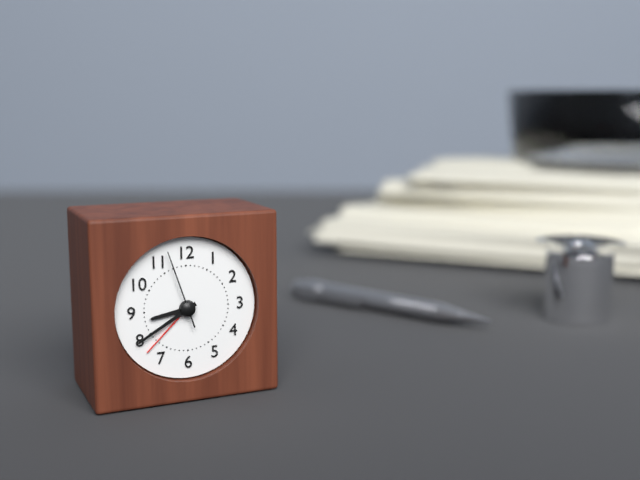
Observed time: 8:40:57
